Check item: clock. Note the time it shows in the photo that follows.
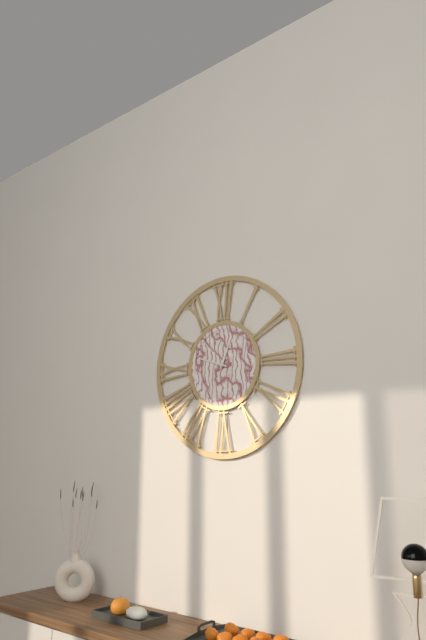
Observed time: 12:48
